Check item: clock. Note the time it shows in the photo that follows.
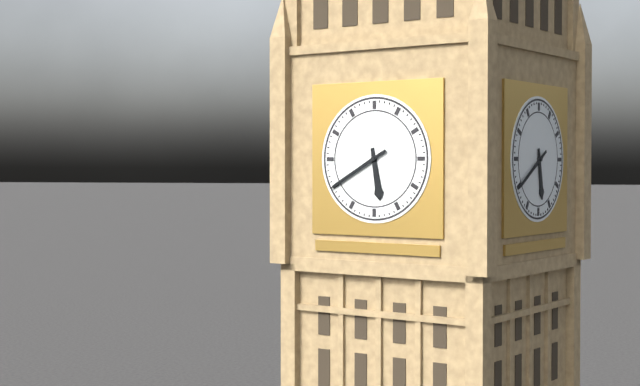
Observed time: 5:40
